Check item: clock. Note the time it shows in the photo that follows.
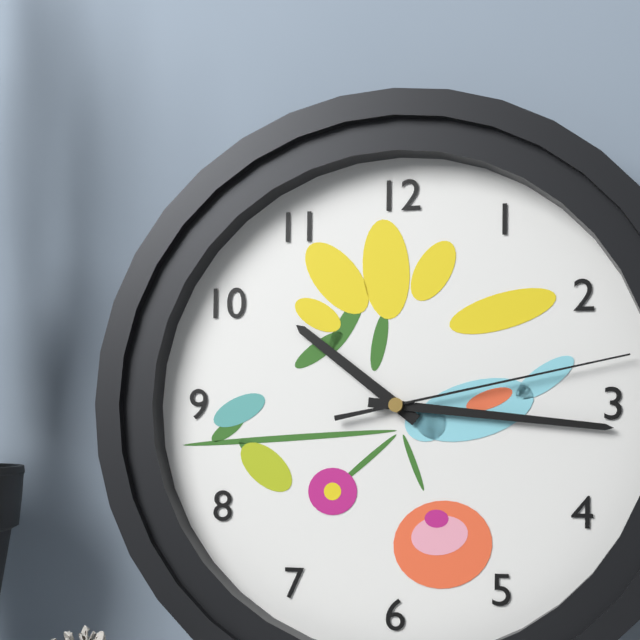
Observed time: 10:16:13
